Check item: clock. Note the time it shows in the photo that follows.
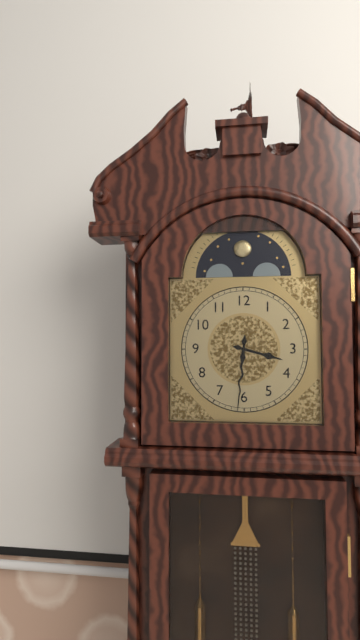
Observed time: 3:31
